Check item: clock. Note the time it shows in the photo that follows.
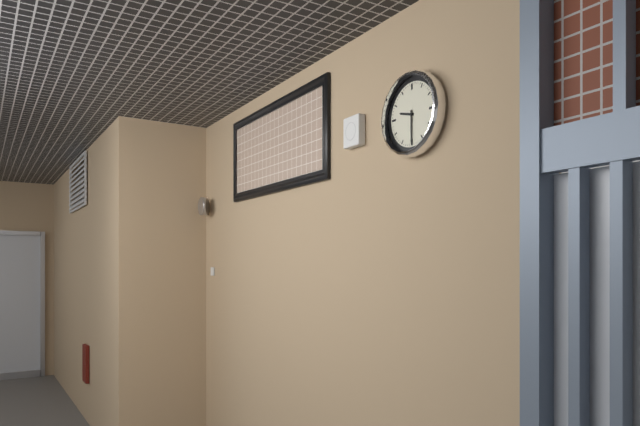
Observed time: 9:30
